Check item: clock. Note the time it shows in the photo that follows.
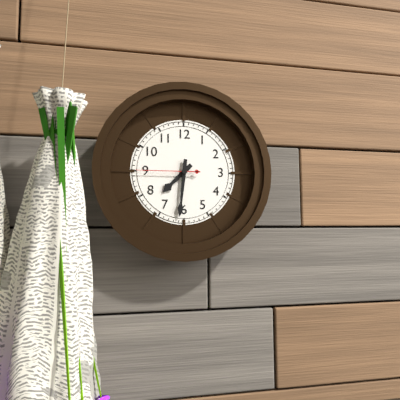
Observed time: 7:31:45
